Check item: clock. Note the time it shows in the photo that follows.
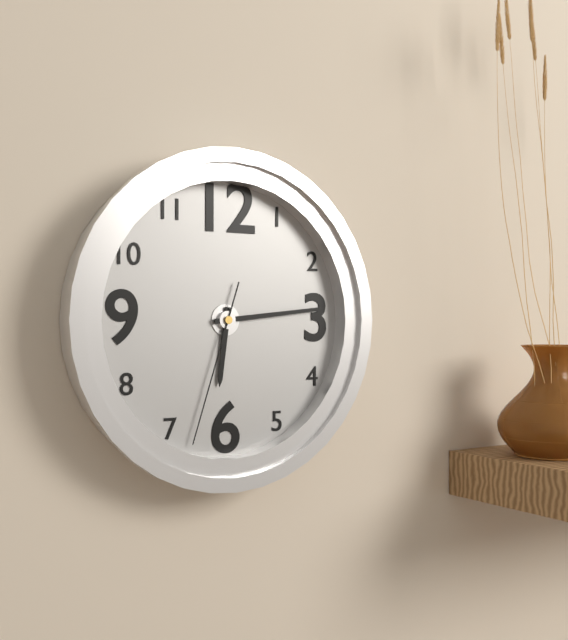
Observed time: 6:14:33
